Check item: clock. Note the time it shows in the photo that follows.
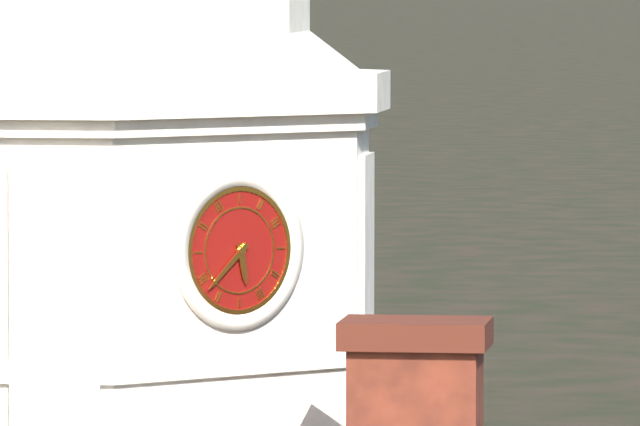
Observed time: 5:38
